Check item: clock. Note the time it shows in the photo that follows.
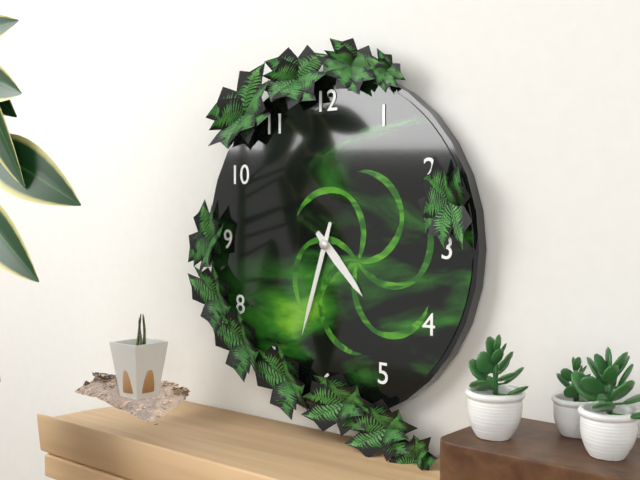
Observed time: 4:33
